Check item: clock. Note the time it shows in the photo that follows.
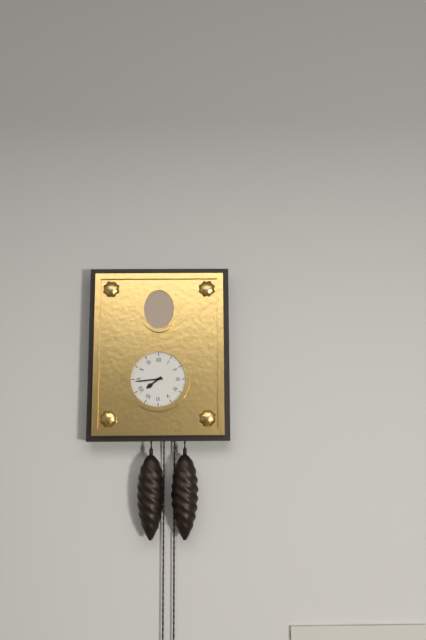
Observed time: 7:44
